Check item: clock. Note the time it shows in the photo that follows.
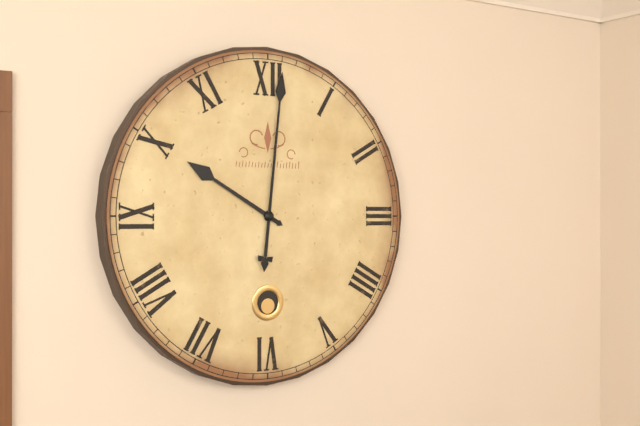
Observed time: 10:01
